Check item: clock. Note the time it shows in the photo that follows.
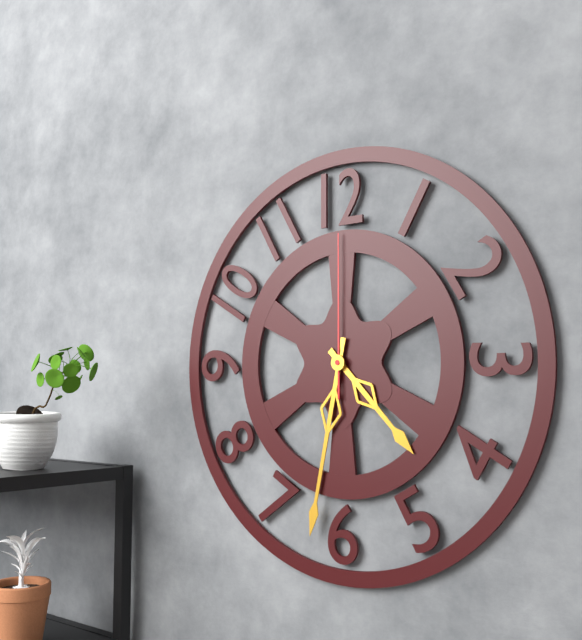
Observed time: 4:32:00
